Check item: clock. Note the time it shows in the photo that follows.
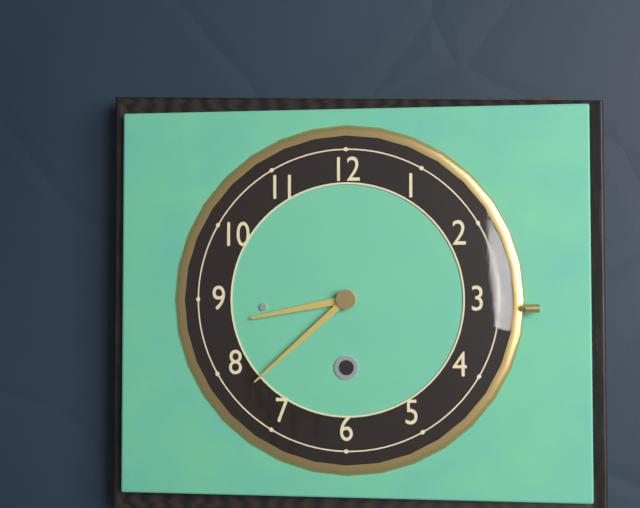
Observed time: 8:38
